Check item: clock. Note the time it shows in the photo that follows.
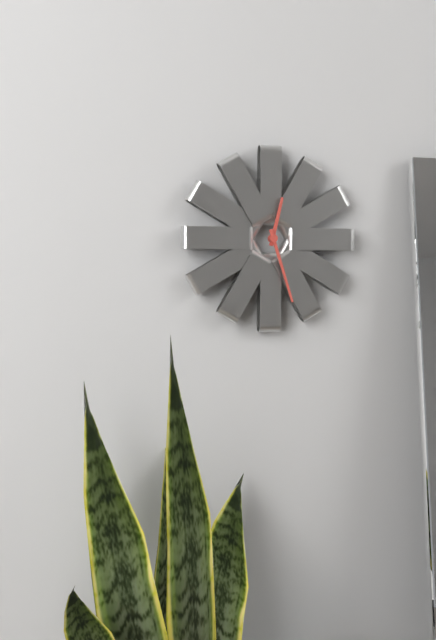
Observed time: 12:27
